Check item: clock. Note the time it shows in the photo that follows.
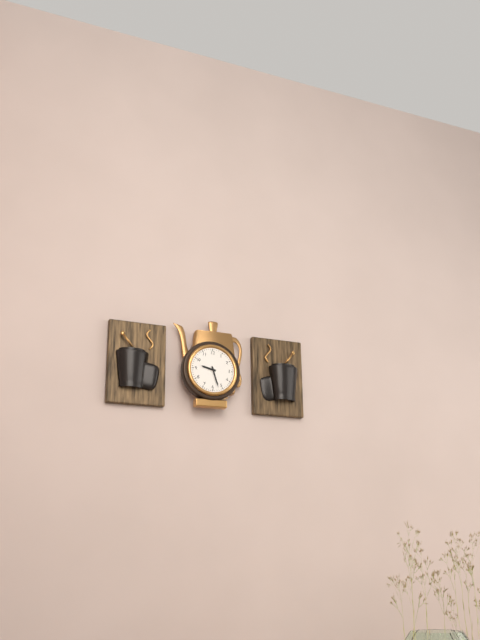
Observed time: 9:27
